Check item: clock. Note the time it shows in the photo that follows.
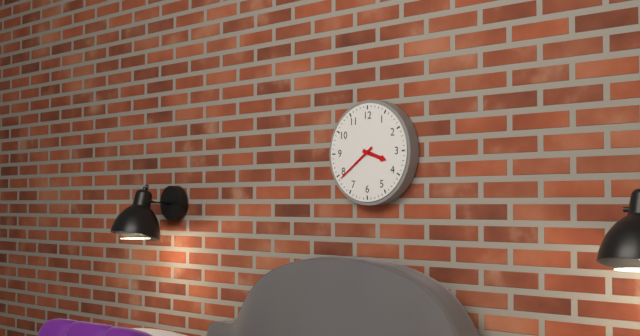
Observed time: 3:39
